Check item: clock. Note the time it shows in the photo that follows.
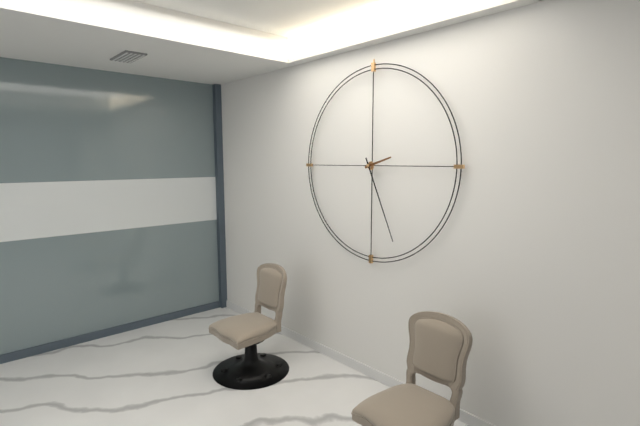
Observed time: 2:26
